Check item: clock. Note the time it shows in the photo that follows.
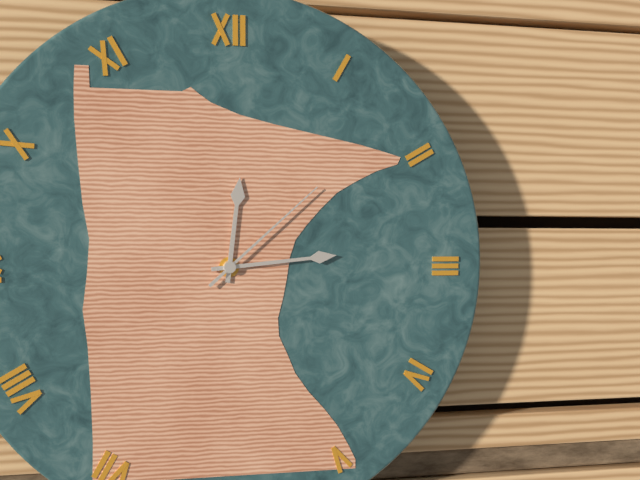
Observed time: 12:14:08
